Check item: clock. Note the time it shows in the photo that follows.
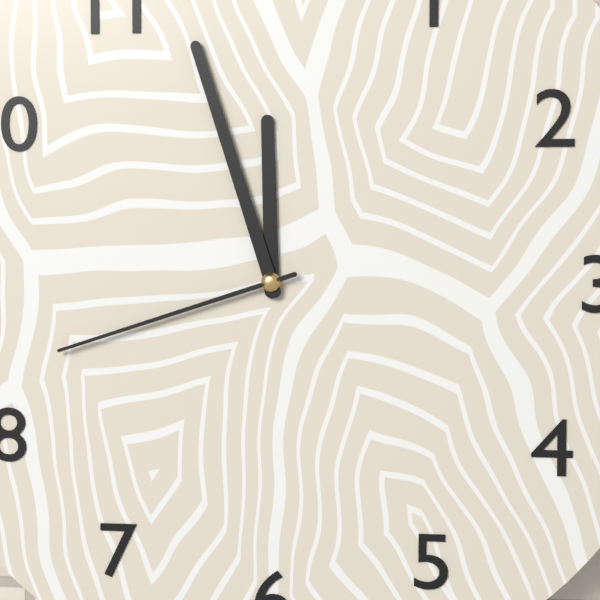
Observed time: 11:57:42
